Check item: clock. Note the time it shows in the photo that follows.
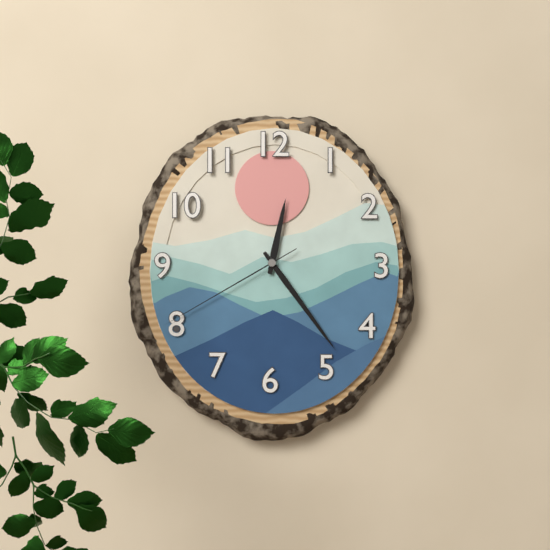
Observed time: 12:24:40
